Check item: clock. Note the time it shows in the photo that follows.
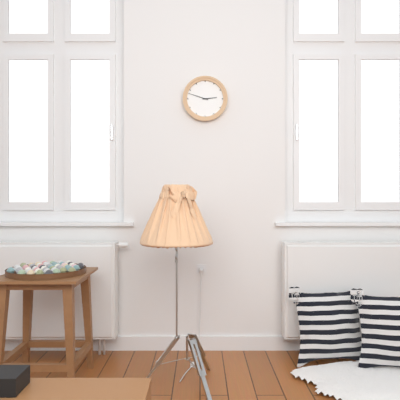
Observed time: 2:48
